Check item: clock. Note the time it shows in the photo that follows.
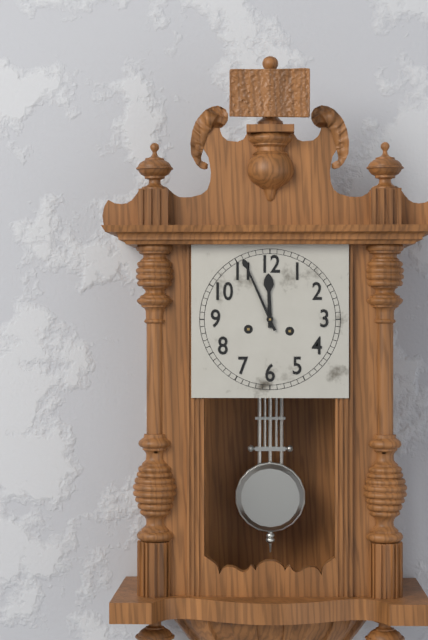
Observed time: 11:56
